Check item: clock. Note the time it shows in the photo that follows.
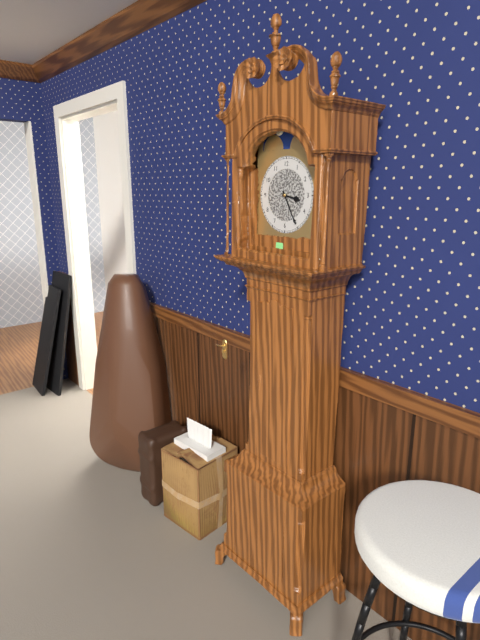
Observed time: 3:25
